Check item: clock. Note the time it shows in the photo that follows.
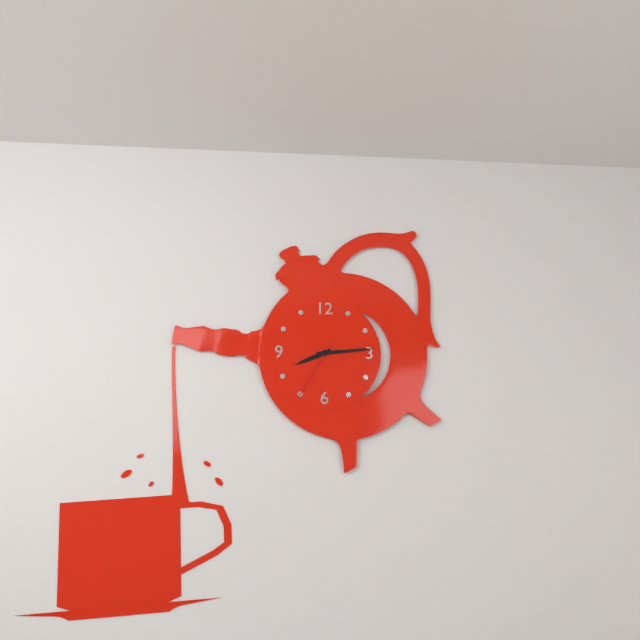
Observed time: 8:14:35
